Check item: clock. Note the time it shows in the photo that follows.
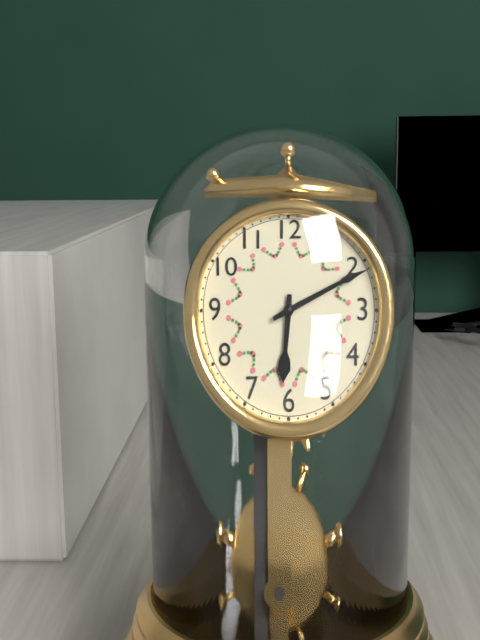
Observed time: 6:11
